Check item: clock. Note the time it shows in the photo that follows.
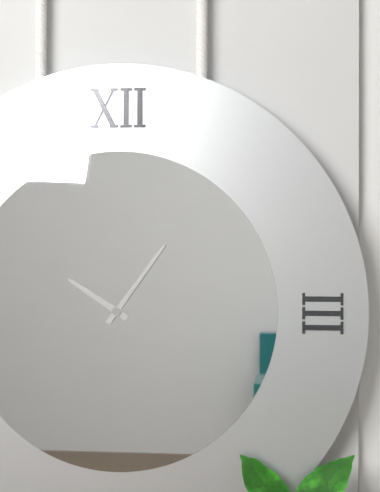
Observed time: 10:06
